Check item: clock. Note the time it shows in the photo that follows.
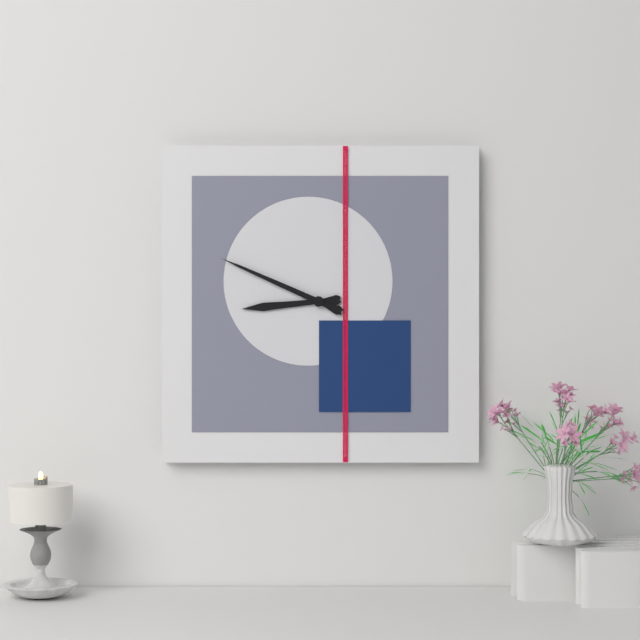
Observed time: 8:49
